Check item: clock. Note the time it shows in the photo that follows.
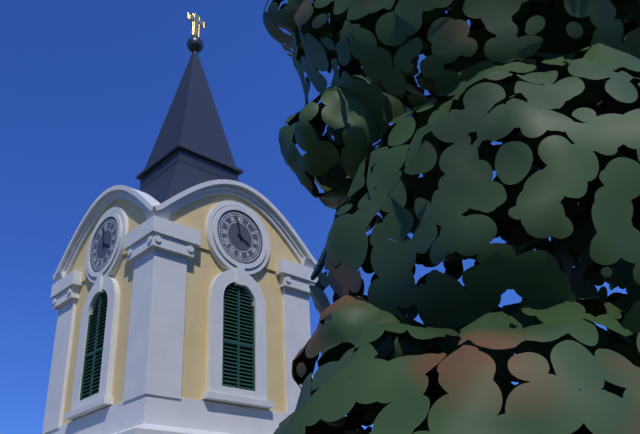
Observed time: 3:58
